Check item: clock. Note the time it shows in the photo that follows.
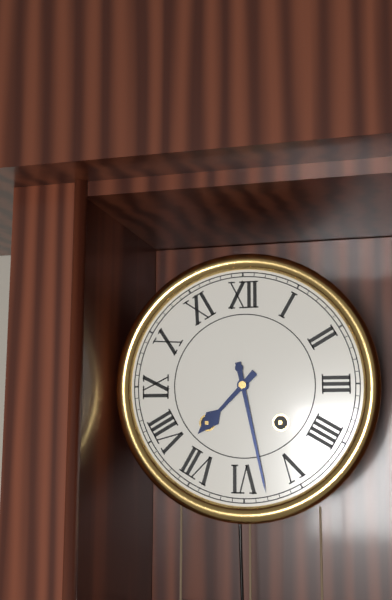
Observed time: 7:28
